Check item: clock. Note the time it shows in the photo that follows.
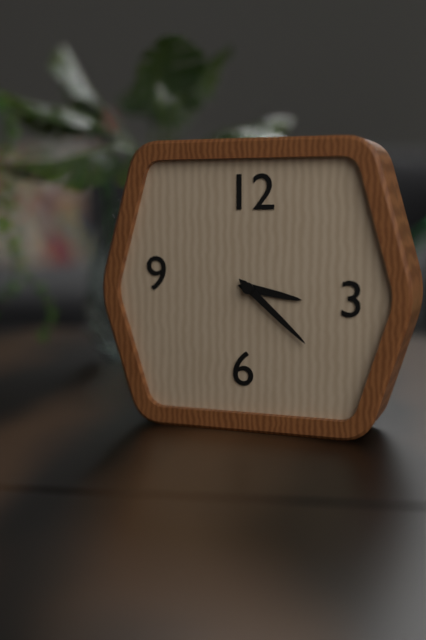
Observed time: 3:22
